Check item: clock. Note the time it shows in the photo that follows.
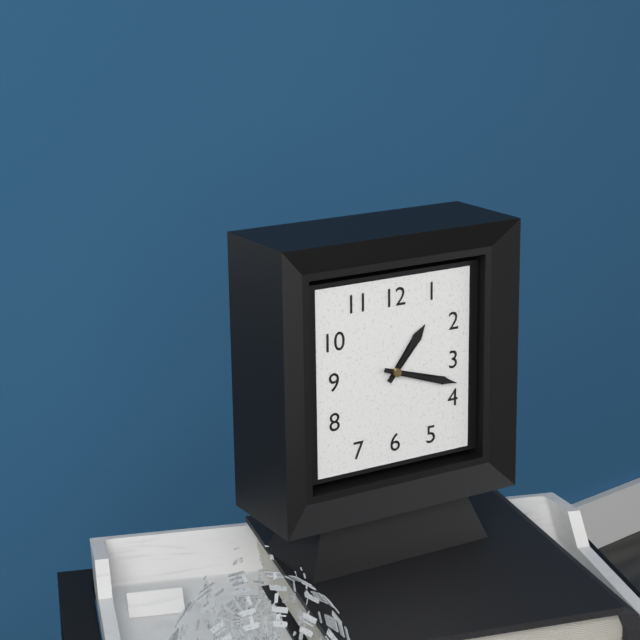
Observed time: 1:18
